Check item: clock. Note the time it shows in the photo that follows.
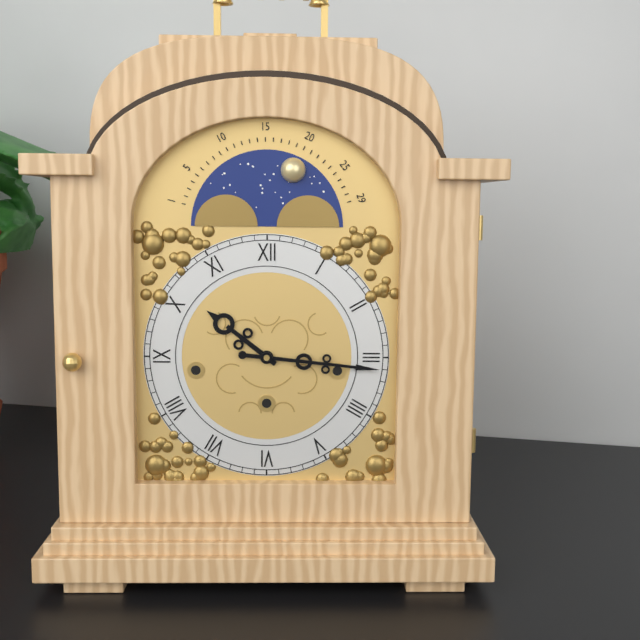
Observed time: 10:16
